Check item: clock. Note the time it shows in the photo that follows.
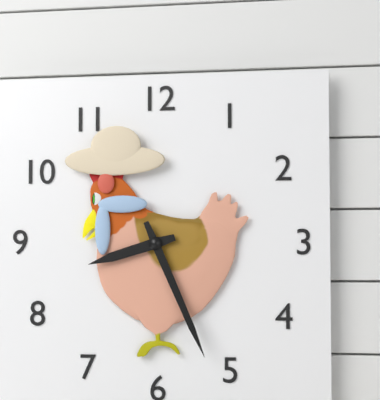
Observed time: 8:26
